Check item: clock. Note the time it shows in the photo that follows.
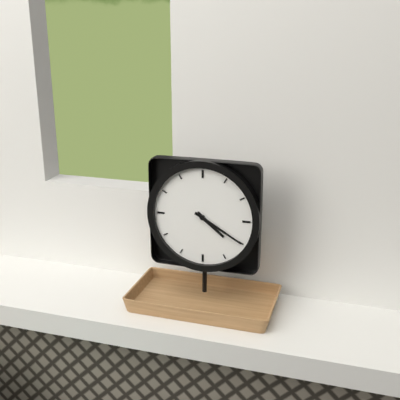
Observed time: 4:20
